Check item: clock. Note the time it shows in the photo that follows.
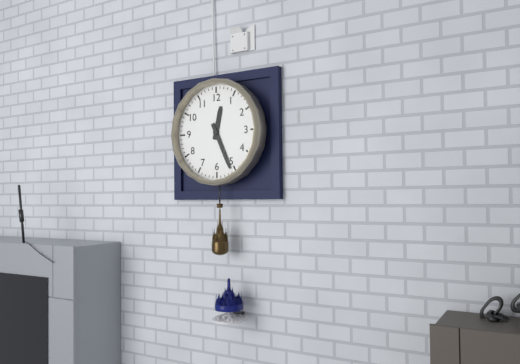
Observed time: 12:26
